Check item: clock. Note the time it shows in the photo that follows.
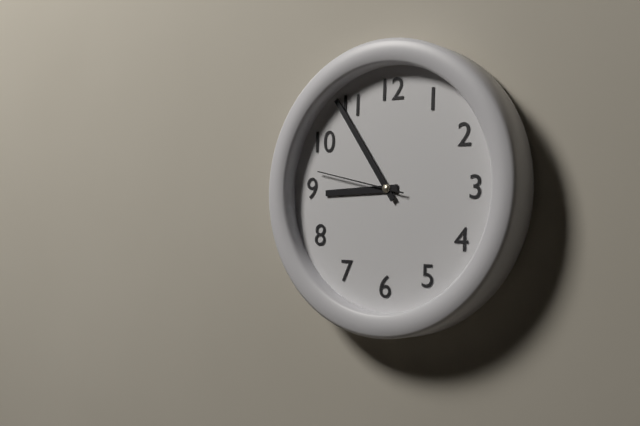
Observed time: 8:54:47
